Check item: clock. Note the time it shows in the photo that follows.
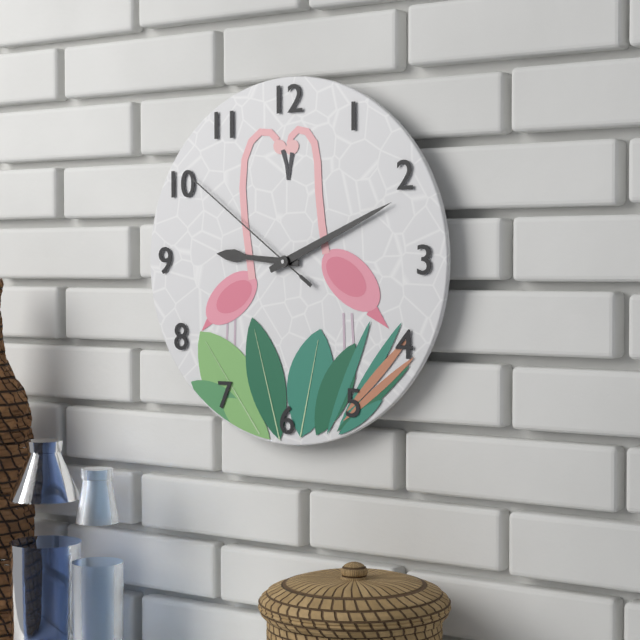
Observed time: 9:11:51
